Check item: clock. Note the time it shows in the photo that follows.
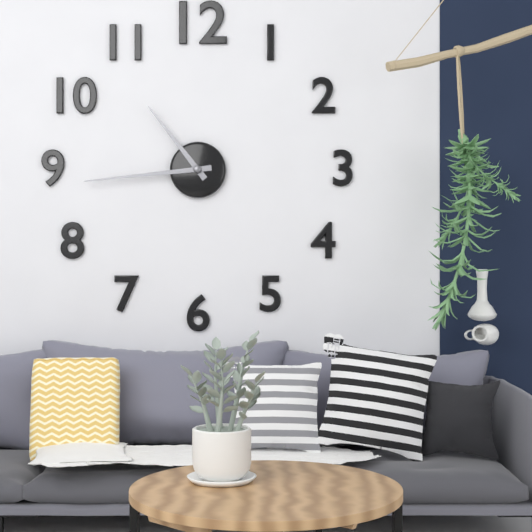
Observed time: 10:44
